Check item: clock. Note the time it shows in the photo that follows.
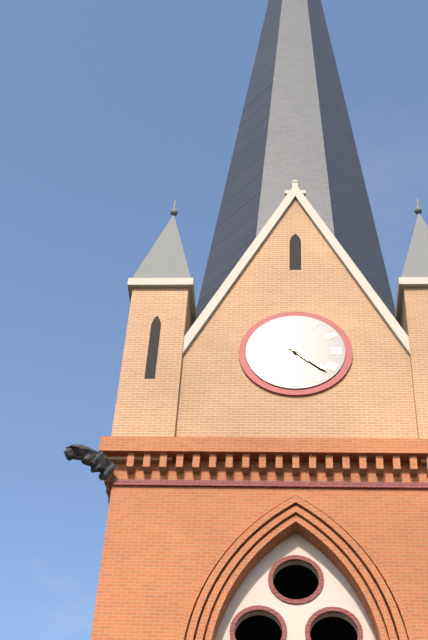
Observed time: 4:22
